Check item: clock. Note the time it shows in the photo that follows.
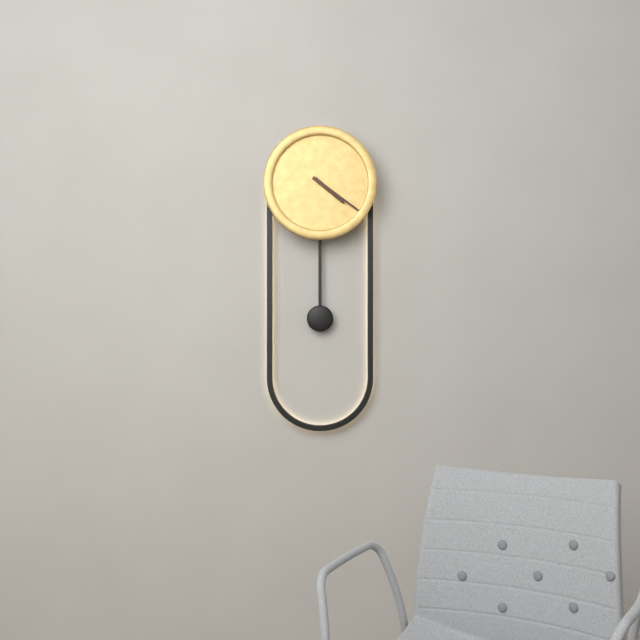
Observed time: 4:21
